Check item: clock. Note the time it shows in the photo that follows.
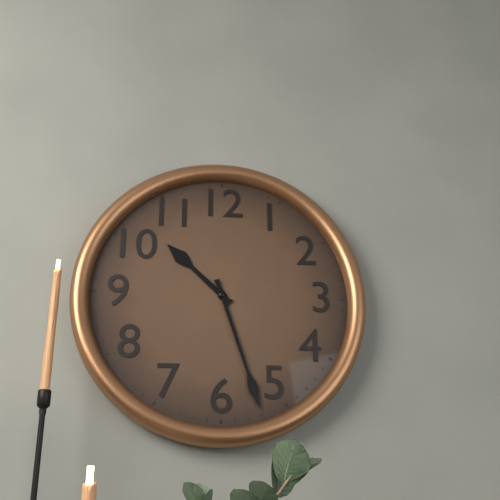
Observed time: 10:27
